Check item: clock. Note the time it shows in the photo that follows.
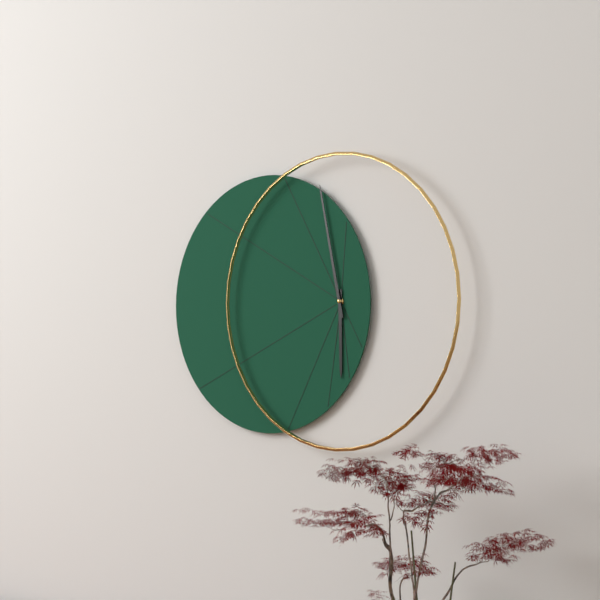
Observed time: 5:58
